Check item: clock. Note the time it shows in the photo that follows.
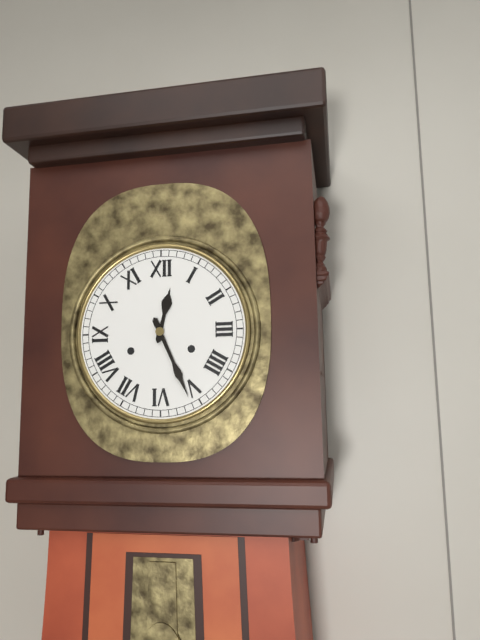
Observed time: 12:26
